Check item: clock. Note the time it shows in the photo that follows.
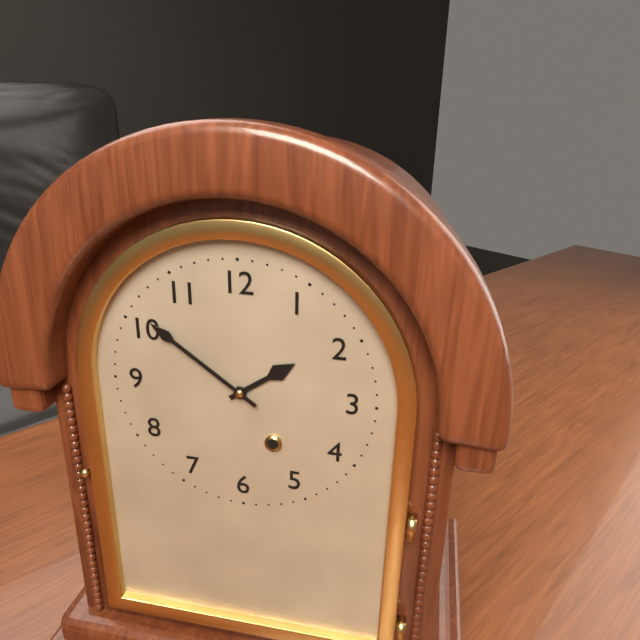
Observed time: 1:51
